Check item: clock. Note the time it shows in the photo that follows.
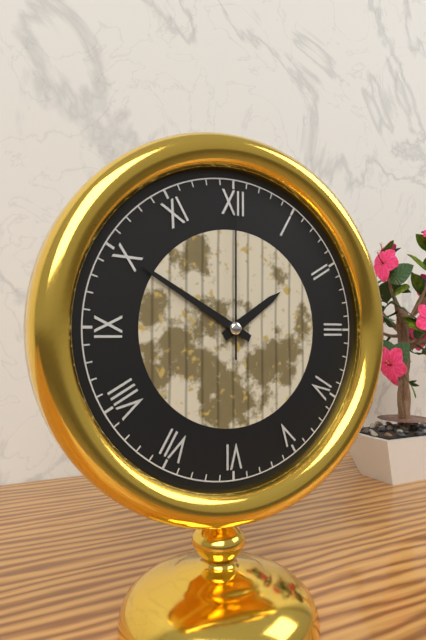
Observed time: 1:50:00
